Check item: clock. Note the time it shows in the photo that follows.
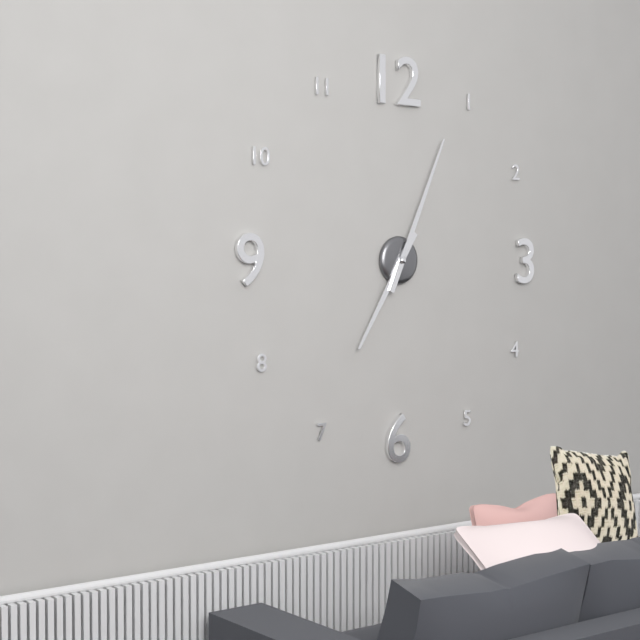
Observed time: 7:04
